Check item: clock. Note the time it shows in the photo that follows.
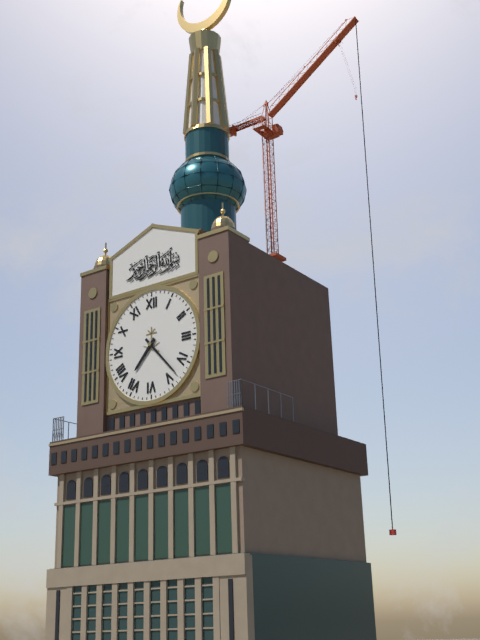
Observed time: 7:23
